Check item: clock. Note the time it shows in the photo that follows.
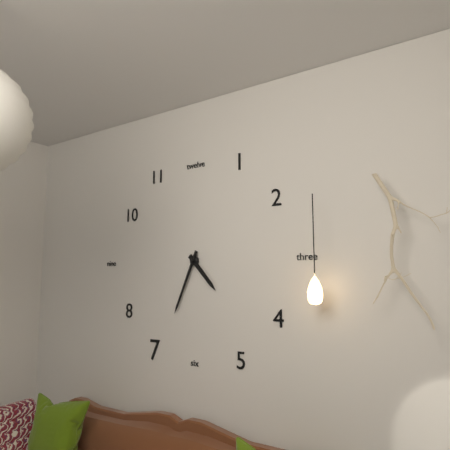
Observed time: 4:34
